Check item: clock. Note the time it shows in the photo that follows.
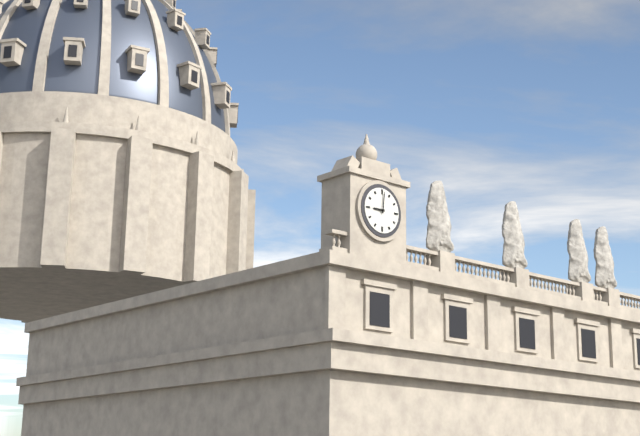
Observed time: 9:01
